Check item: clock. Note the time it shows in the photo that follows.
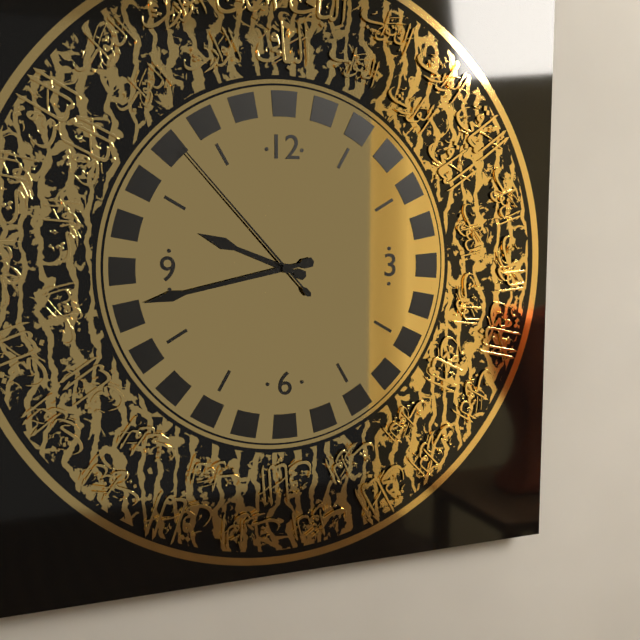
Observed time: 9:43:53
